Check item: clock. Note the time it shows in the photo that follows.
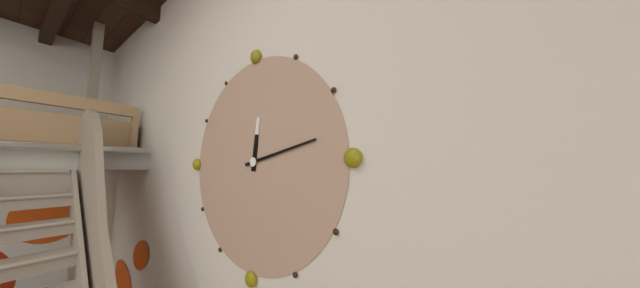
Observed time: 12:13
